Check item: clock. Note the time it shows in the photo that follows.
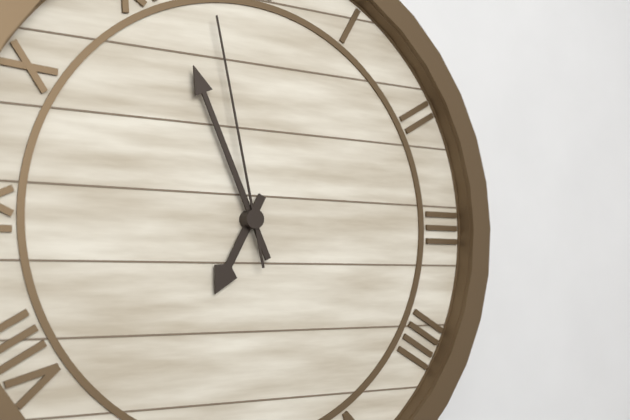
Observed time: 6:56:58
